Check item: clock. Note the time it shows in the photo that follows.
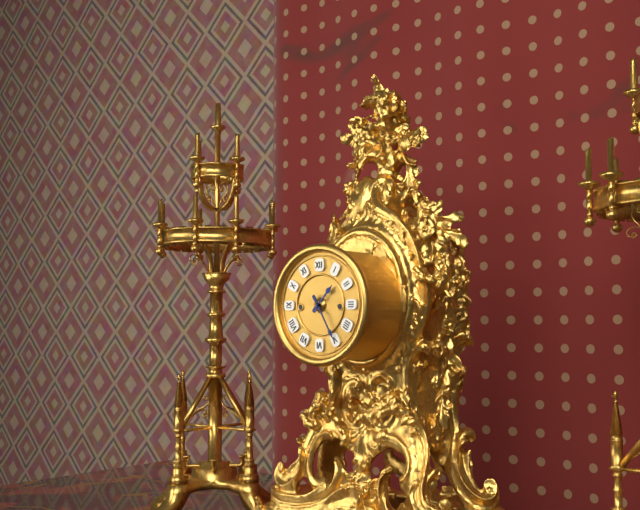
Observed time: 1:25
